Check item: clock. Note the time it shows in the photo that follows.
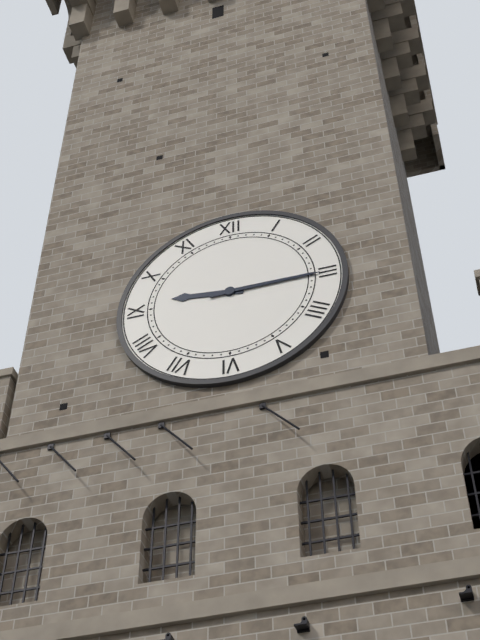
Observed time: 9:15
